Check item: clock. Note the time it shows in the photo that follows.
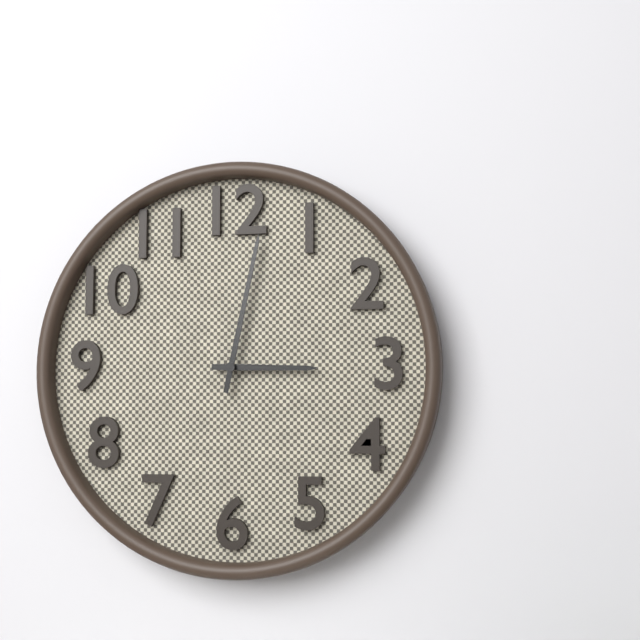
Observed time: 3:02
